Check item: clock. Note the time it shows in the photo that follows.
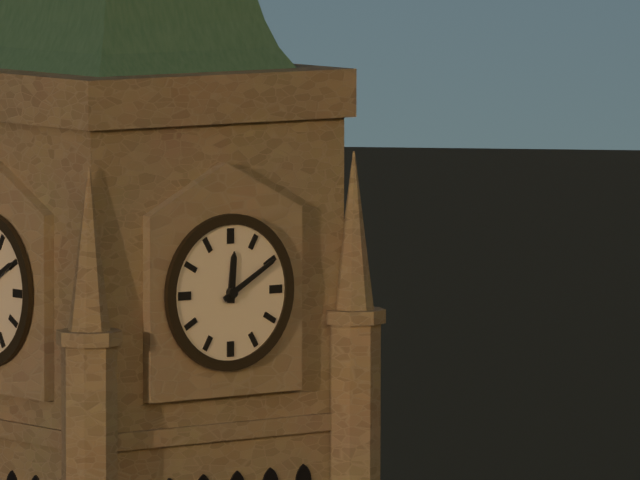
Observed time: 12:10
